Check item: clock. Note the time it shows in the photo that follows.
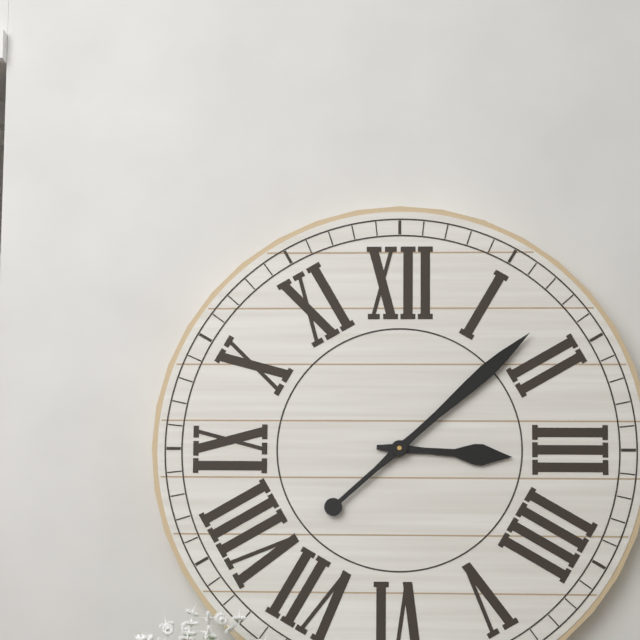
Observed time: 3:08
